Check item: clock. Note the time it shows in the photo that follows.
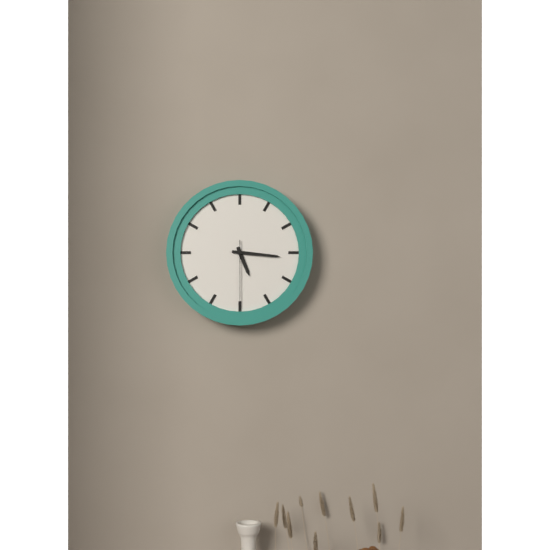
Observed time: 5:16:30
